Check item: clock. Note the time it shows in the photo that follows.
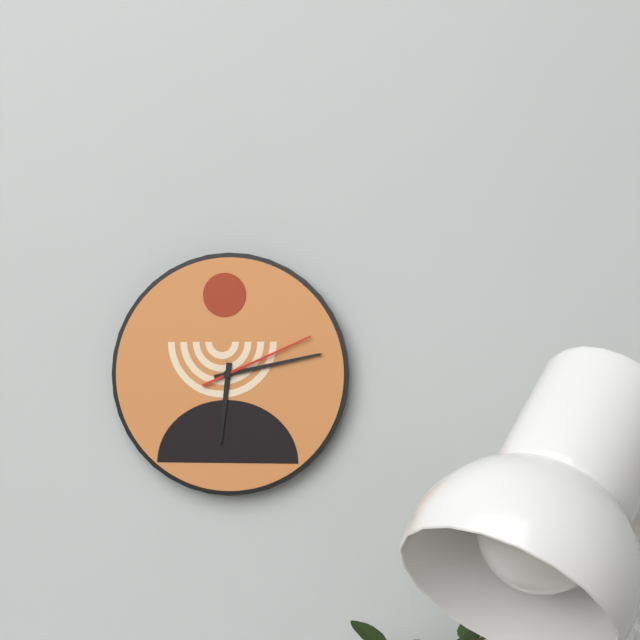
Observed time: 6:13:11
